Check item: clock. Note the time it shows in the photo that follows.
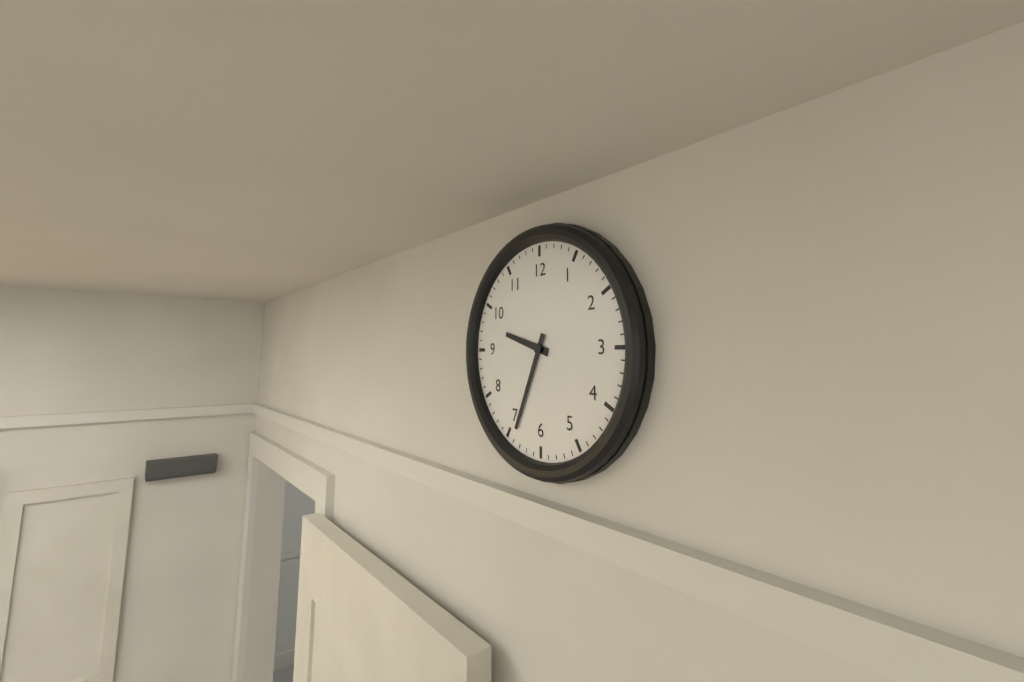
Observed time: 9:34
